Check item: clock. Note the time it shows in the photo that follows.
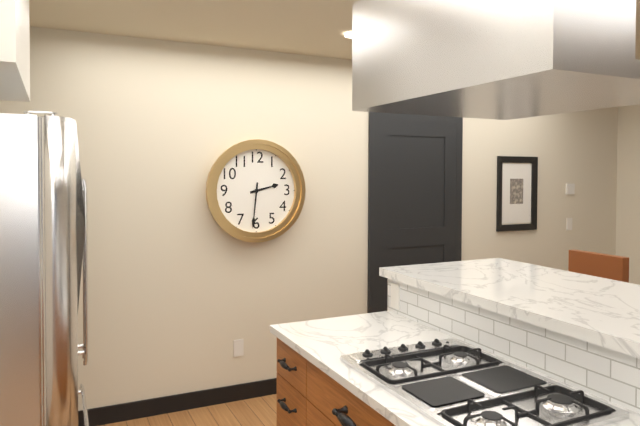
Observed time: 2:31
